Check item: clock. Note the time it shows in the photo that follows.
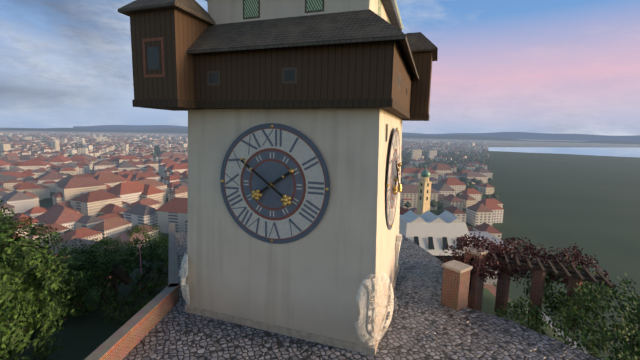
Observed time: 1:51
